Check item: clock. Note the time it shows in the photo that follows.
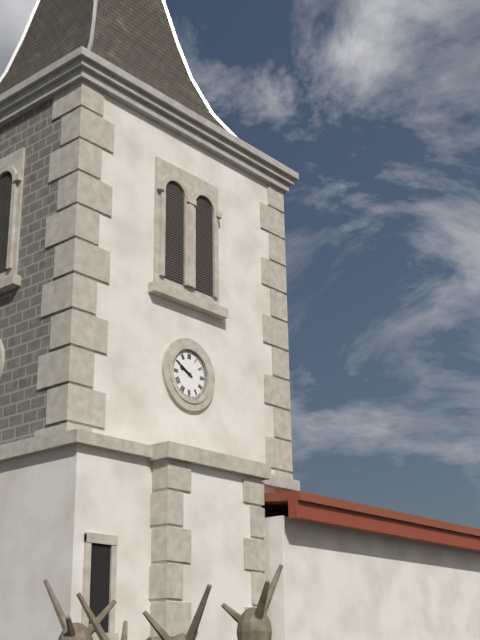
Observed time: 9:50
